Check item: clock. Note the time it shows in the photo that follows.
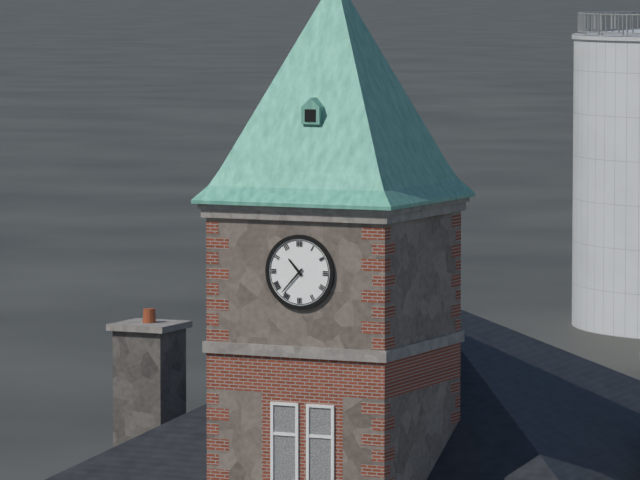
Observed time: 10:37
